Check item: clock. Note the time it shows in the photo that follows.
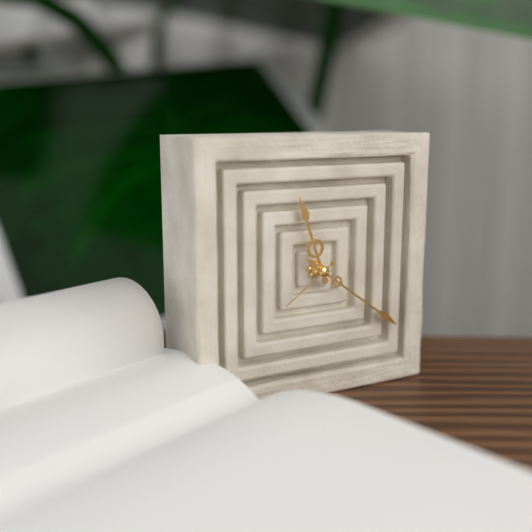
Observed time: 11:21:39
